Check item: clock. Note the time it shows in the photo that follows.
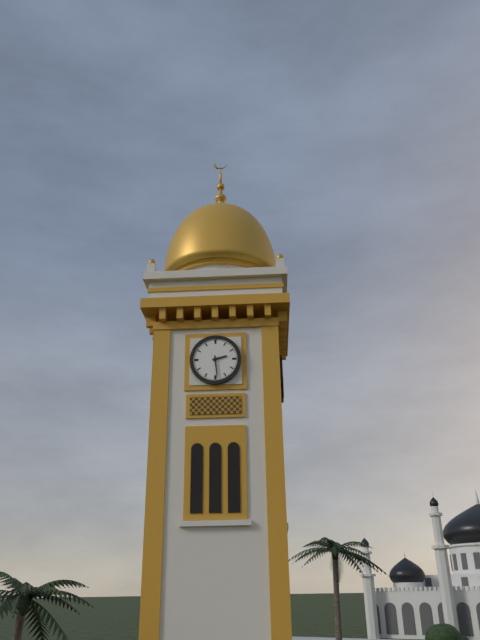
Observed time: 2:29
